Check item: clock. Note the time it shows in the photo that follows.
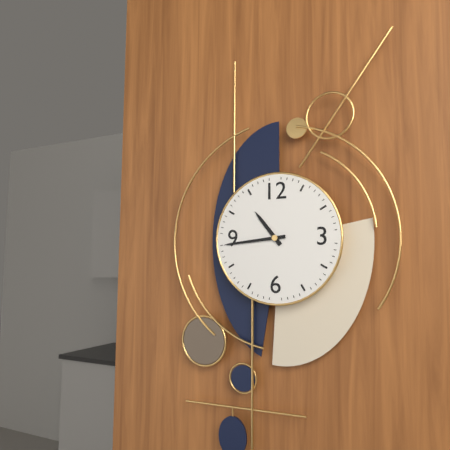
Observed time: 10:44
